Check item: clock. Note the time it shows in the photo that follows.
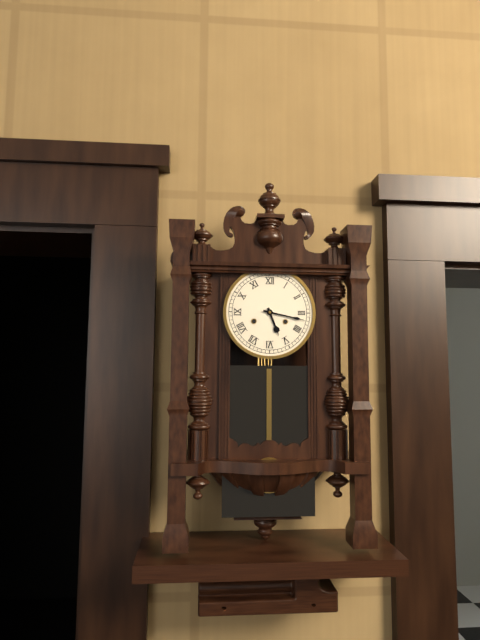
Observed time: 5:17
